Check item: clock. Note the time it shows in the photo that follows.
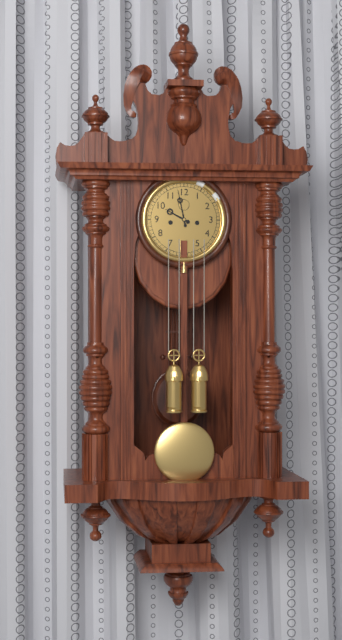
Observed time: 9:58
